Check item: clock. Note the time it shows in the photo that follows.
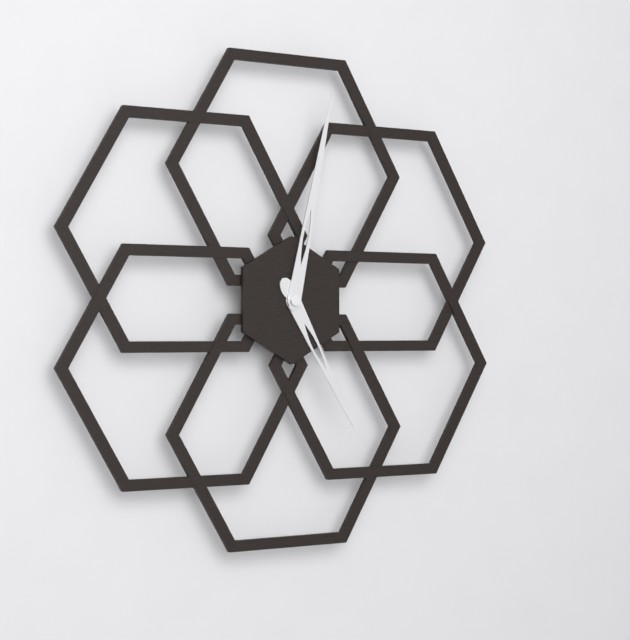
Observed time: 5:02
